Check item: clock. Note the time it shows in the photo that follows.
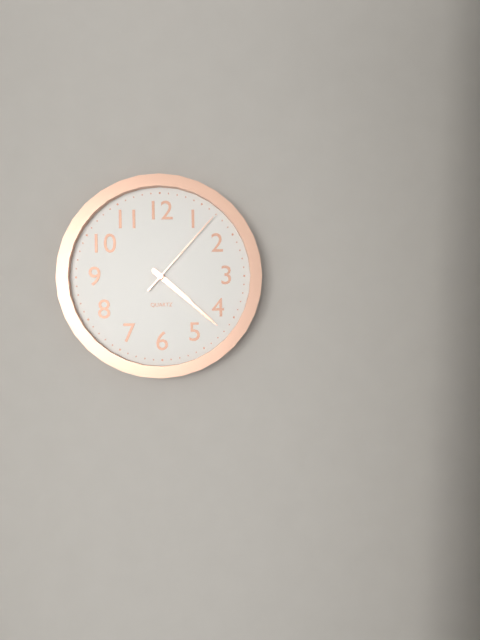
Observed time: 4:22:07
